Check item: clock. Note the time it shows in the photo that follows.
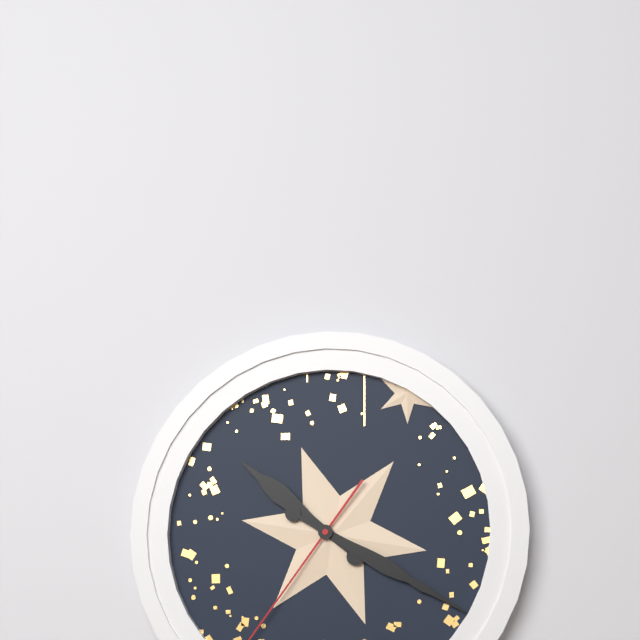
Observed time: 10:20
